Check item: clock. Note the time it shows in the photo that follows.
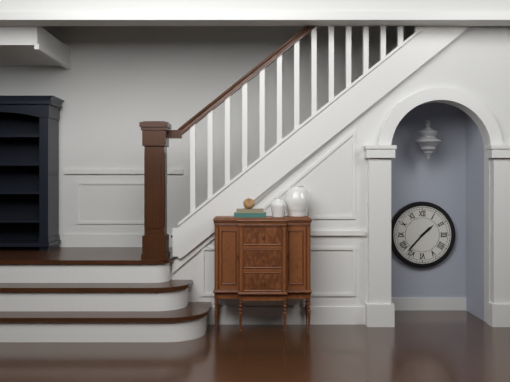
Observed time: 1:37
